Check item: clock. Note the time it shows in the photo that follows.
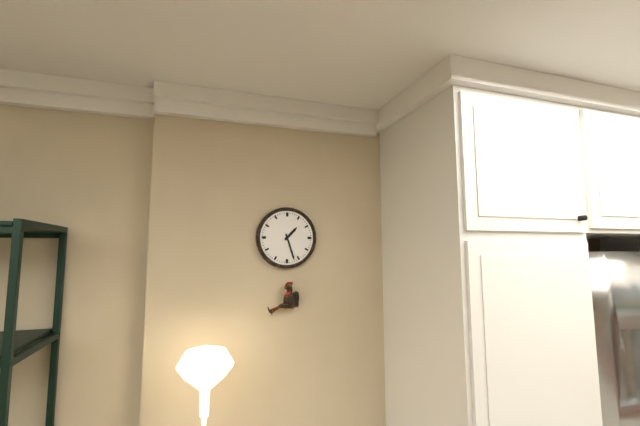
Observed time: 1:27
